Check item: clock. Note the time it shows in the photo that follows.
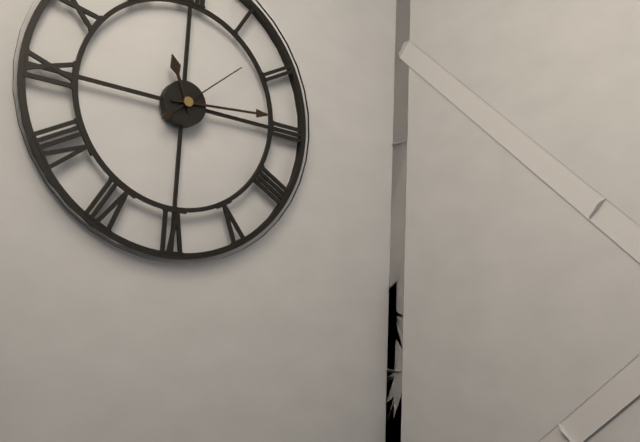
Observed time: 11:14:08
